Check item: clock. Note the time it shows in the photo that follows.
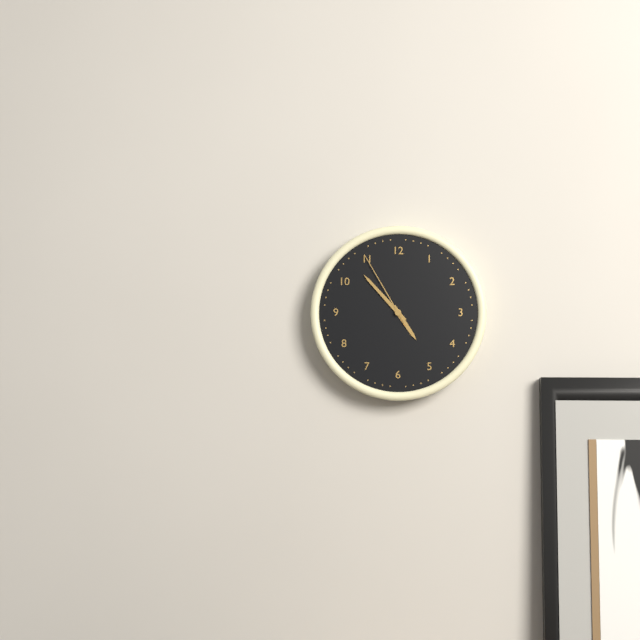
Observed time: 4:53:55
